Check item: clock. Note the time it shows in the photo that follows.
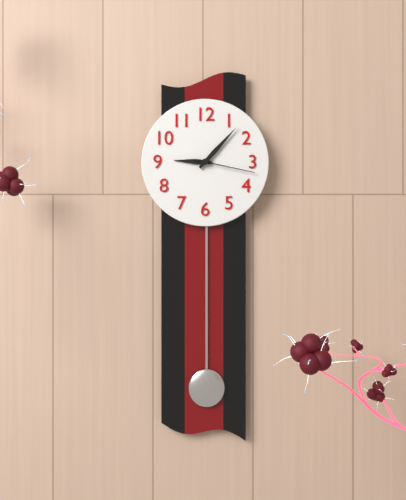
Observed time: 9:07:17
